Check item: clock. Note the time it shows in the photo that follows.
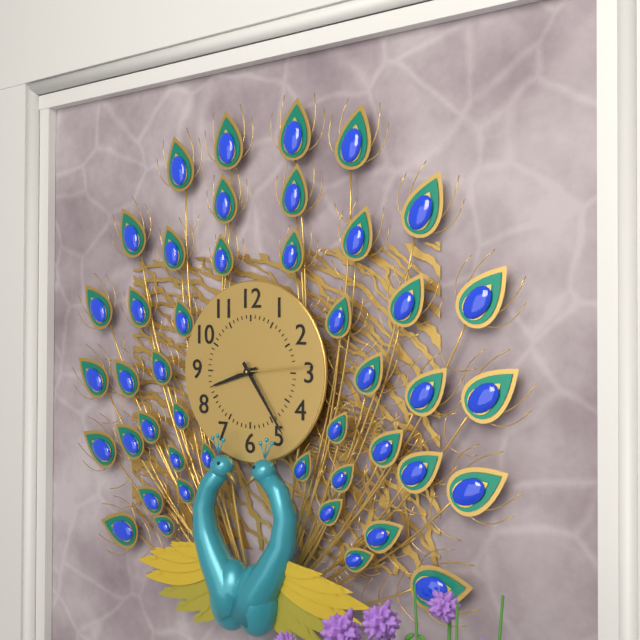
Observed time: 8:24:14
